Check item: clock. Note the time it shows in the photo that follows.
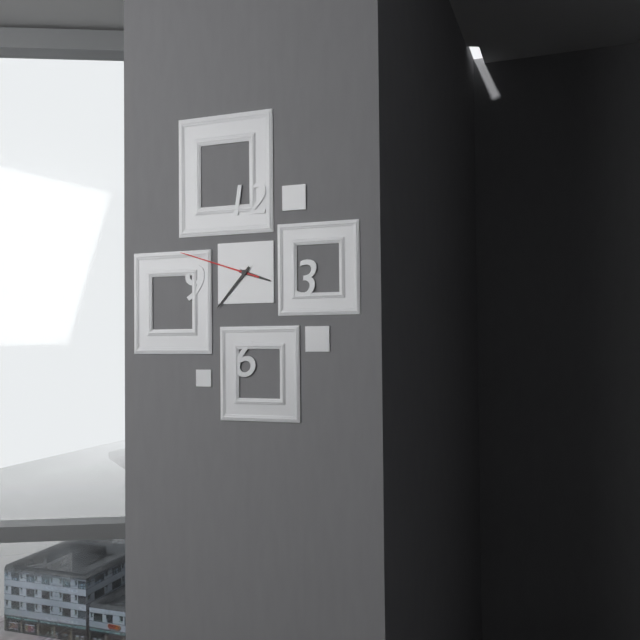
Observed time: 3:37:48
